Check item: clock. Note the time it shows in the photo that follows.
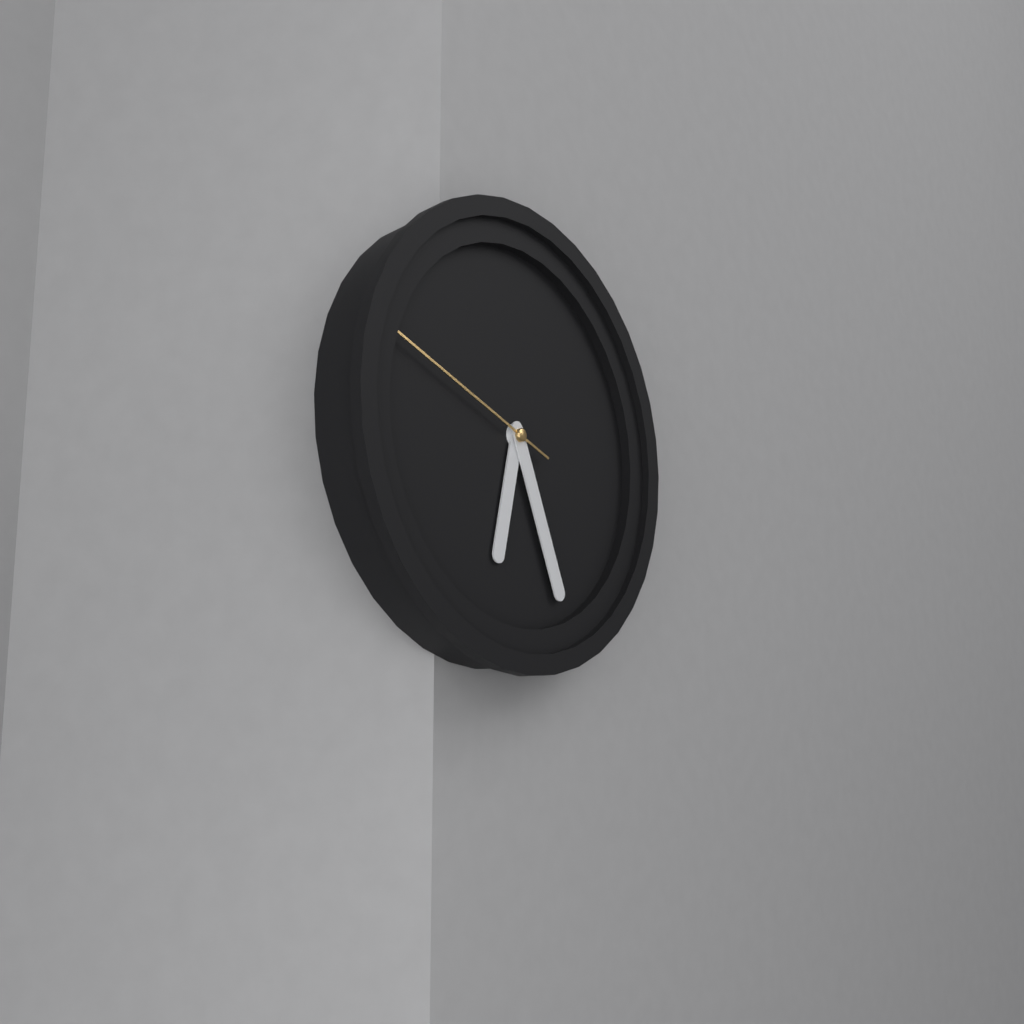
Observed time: 6:26:48
